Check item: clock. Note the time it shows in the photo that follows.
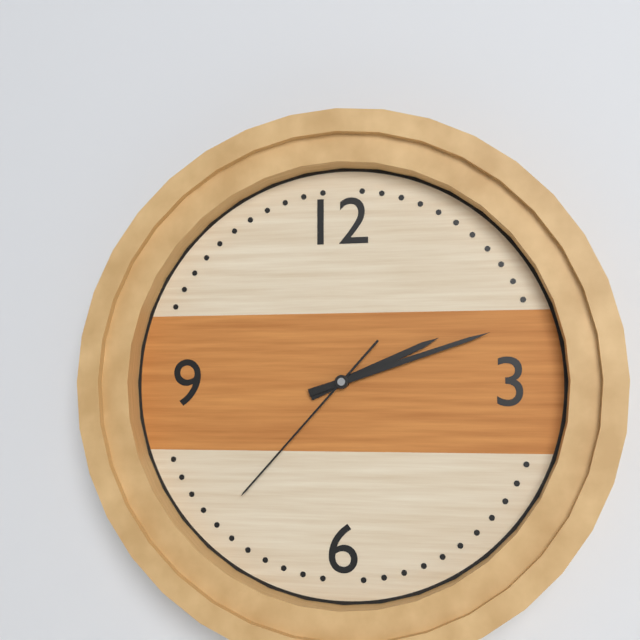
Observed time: 2:12:37
